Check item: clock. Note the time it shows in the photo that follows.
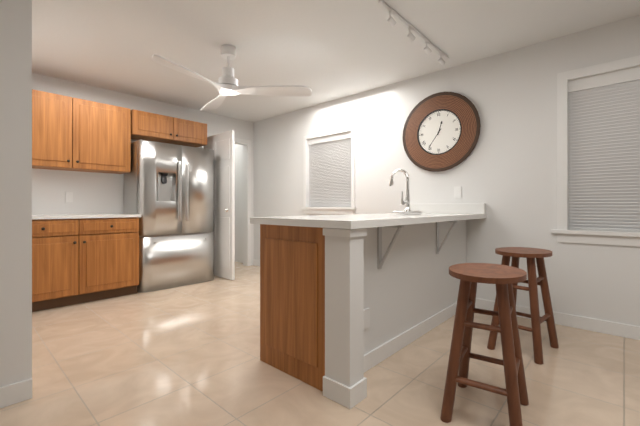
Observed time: 12:36
